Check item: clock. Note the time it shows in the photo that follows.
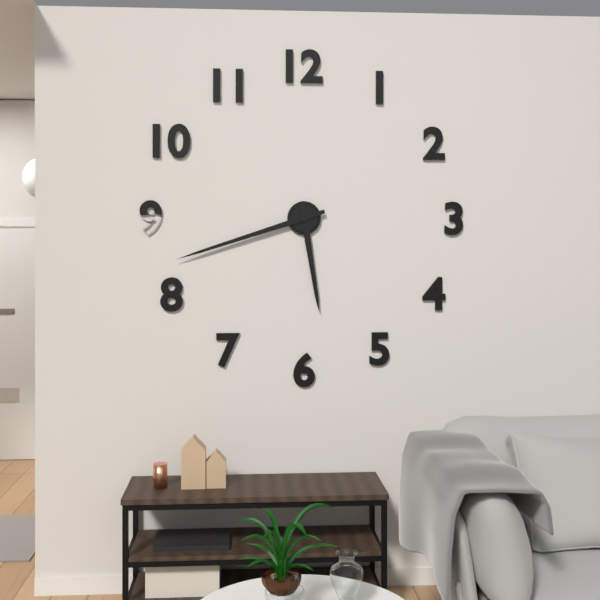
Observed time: 5:42
